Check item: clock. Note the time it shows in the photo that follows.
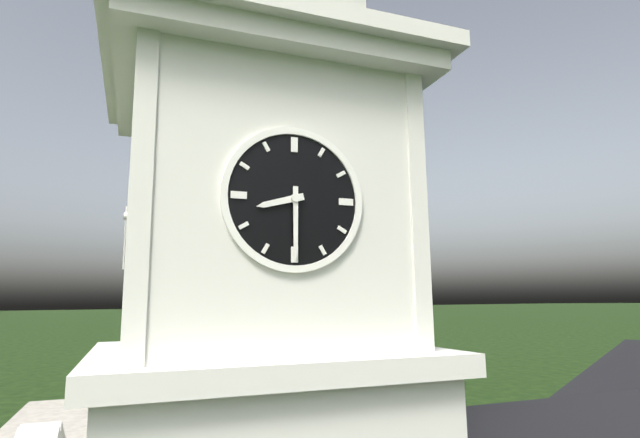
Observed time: 8:30
